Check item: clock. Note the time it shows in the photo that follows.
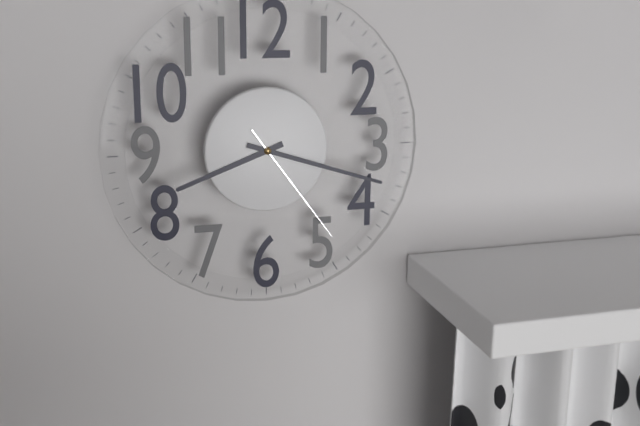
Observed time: 8:18:24
